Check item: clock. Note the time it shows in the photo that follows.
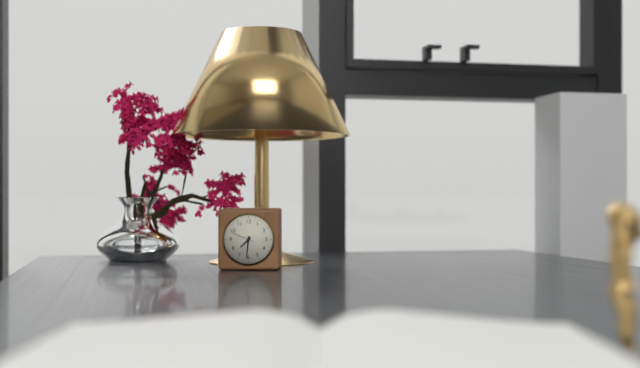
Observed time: 7:31
